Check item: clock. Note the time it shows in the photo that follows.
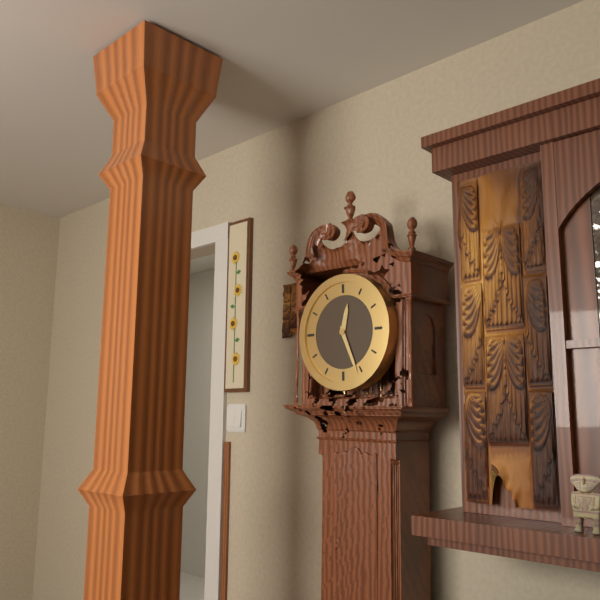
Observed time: 12:26
